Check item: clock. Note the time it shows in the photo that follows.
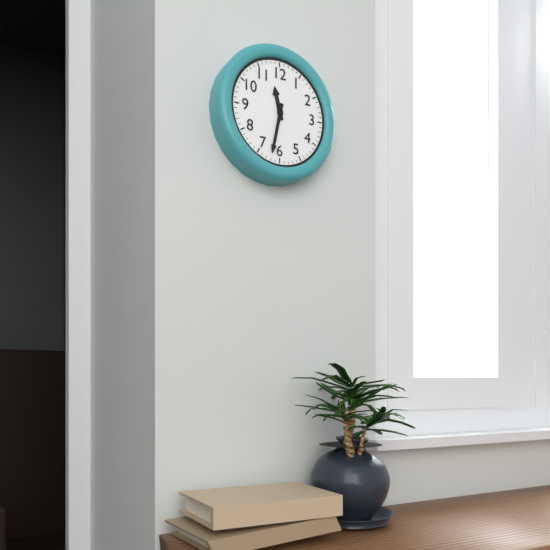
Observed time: 11:32
